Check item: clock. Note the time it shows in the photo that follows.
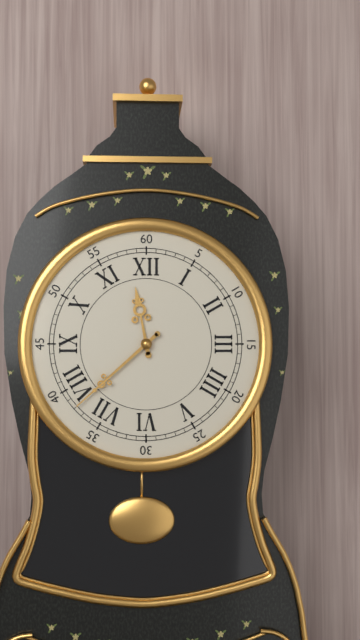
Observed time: 11:38
